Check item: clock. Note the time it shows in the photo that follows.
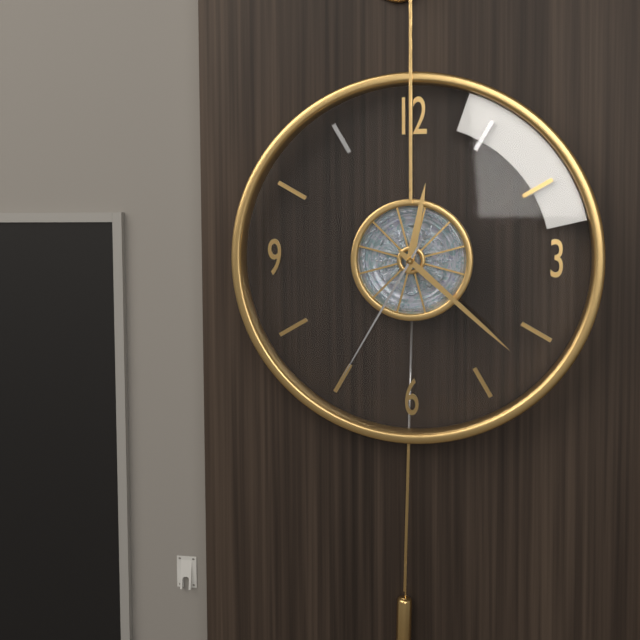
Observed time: 12:22:35
